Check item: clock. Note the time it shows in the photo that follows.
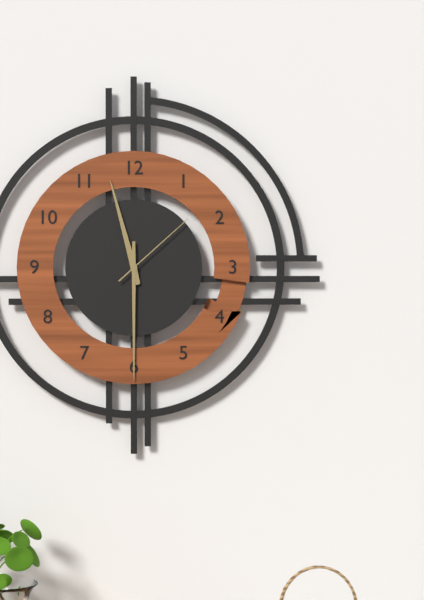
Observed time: 11:30:08
